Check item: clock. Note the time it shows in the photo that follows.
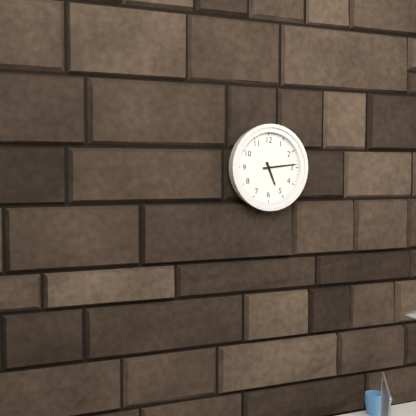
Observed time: 5:14
